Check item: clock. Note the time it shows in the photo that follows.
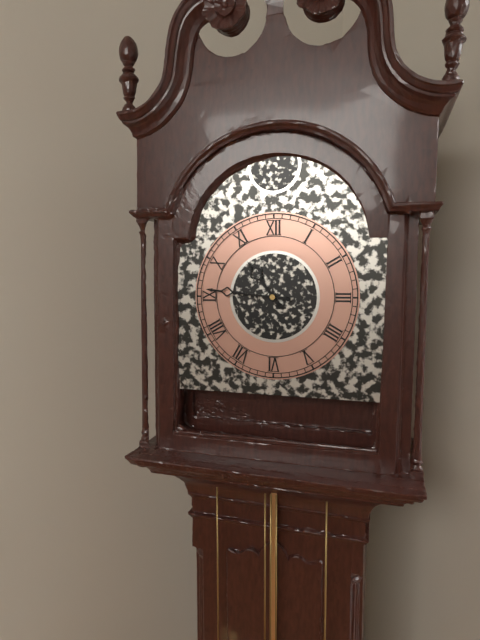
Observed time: 10:46
